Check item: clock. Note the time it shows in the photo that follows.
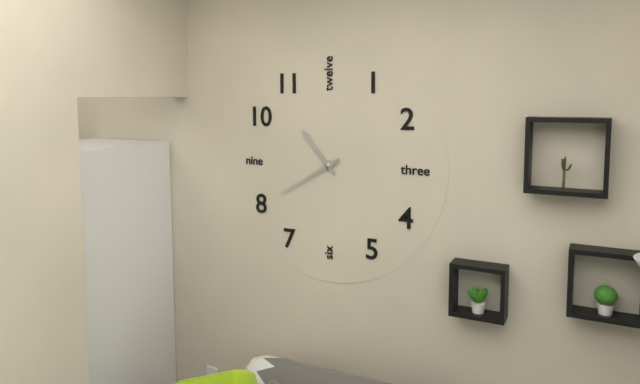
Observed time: 10:40
